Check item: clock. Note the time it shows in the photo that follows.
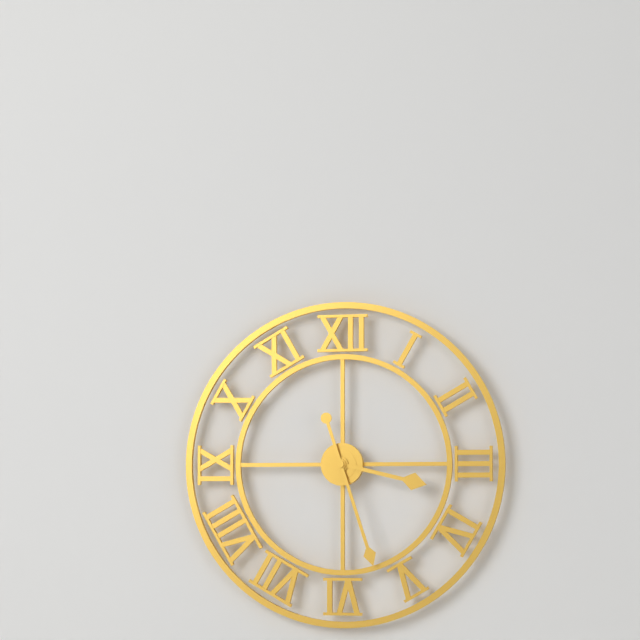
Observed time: 3:27
